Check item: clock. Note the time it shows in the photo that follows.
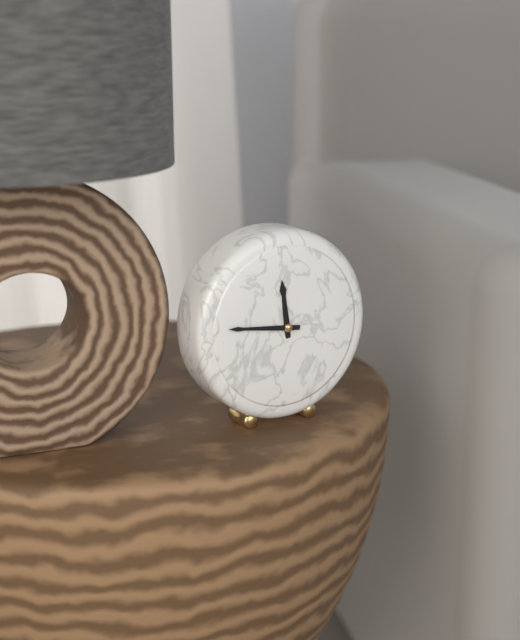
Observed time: 11:46
